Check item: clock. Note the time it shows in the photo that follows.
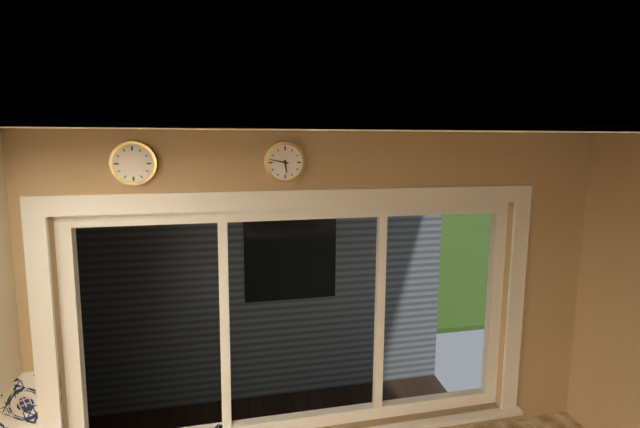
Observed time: 5:47
